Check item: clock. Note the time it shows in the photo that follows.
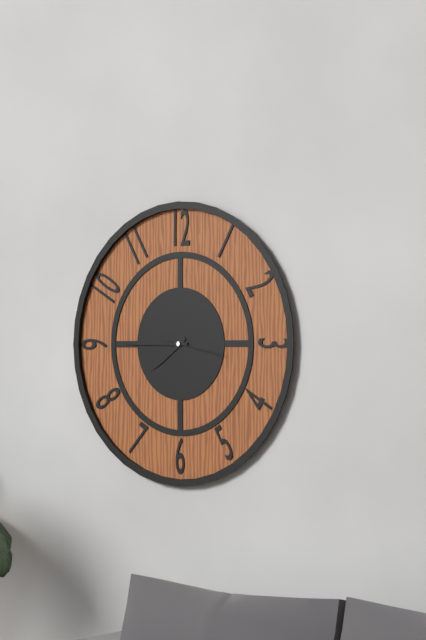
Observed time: 7:45:17
